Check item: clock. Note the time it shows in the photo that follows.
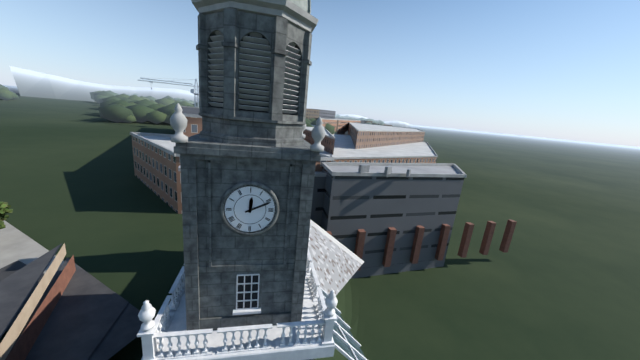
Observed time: 12:11
